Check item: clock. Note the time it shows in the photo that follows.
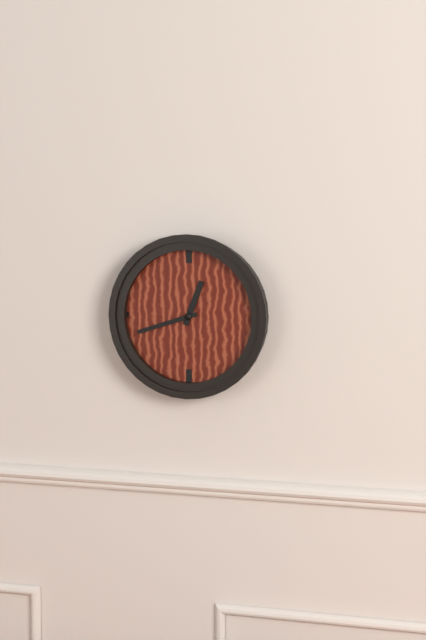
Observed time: 12:42
